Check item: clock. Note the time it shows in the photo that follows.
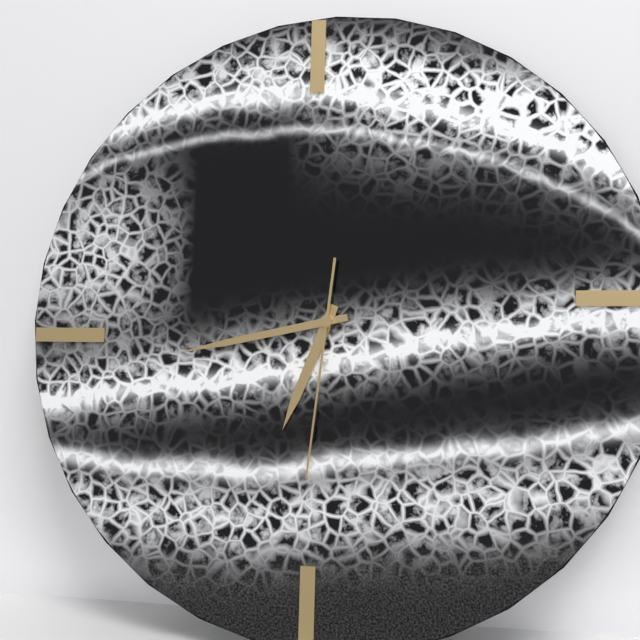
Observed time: 6:43:31
